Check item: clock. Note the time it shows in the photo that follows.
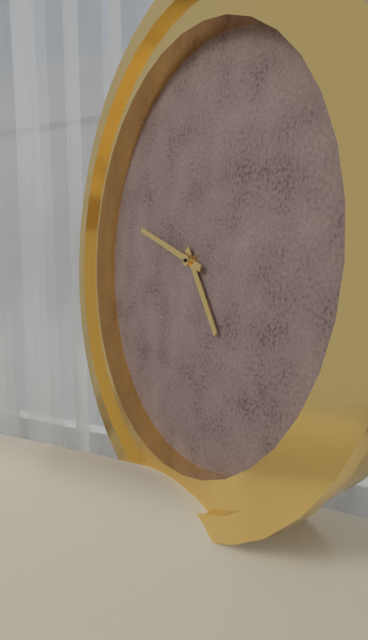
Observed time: 4:48
